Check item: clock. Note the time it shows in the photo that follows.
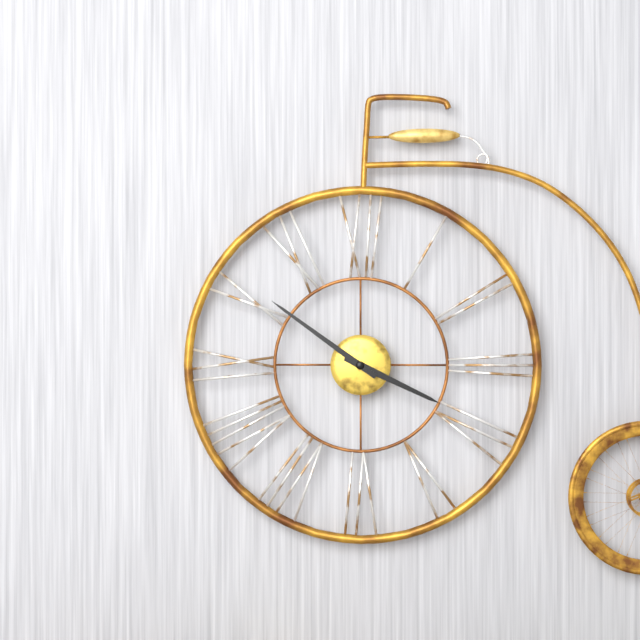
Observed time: 3:51
